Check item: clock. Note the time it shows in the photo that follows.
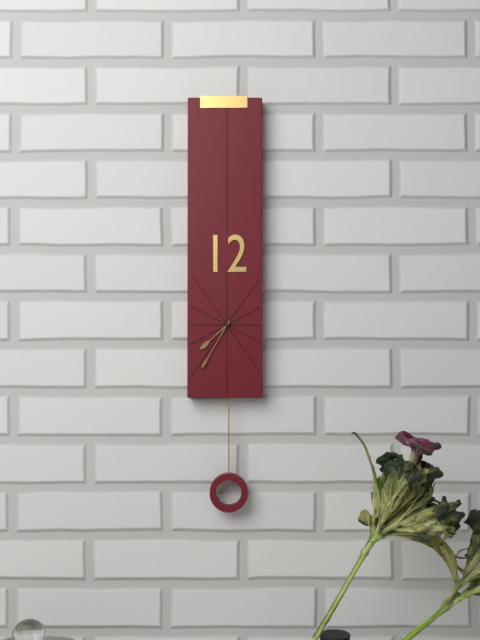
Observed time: 7:35
